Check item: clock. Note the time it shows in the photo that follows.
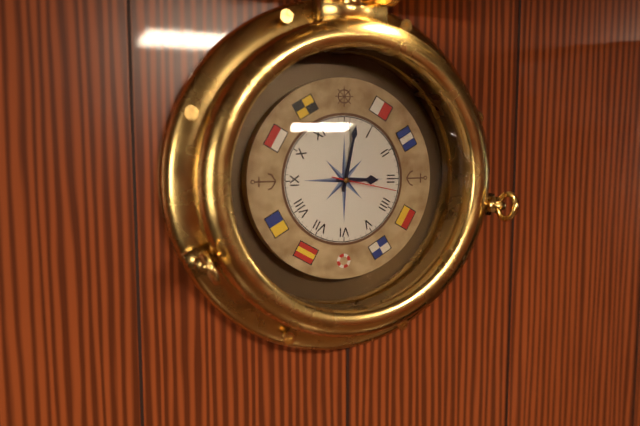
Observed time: 3:02:17
